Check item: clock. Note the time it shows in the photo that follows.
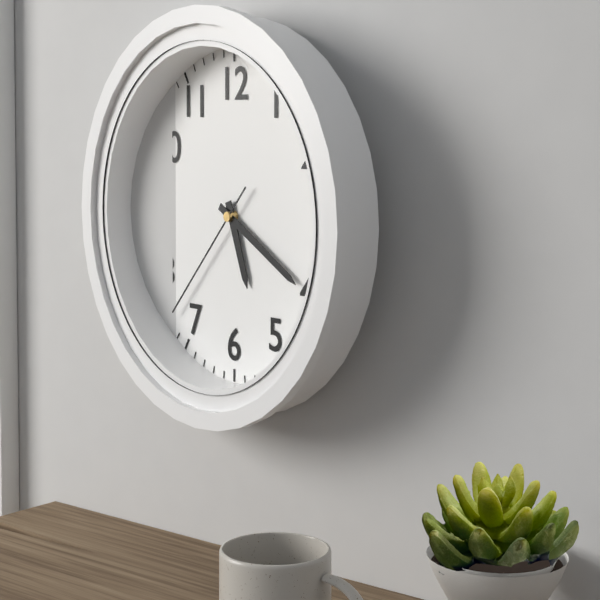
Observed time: 5:20:37
